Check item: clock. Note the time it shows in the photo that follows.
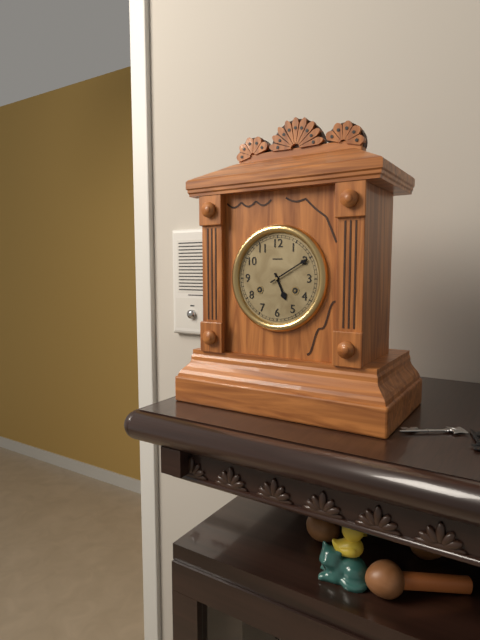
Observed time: 5:10
